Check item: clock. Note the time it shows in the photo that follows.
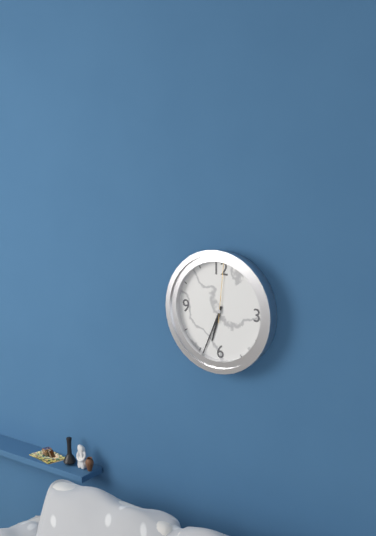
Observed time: 6:34:01
